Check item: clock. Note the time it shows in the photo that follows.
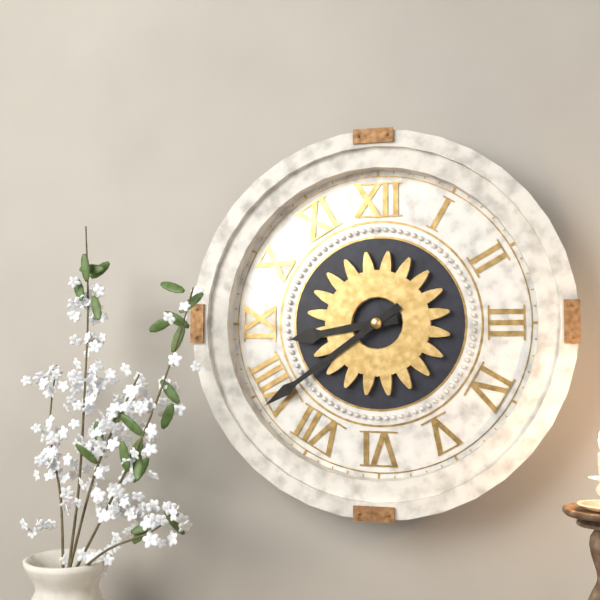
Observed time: 8:39
